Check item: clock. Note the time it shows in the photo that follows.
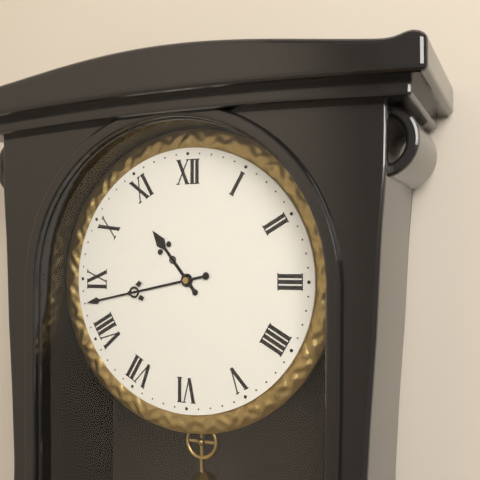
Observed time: 10:43
